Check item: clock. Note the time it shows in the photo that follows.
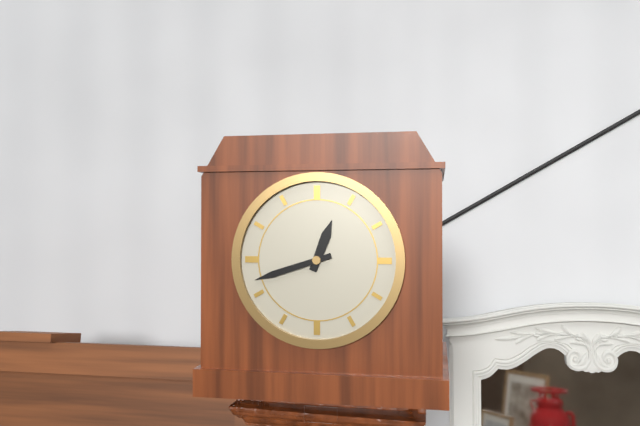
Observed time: 12:42
